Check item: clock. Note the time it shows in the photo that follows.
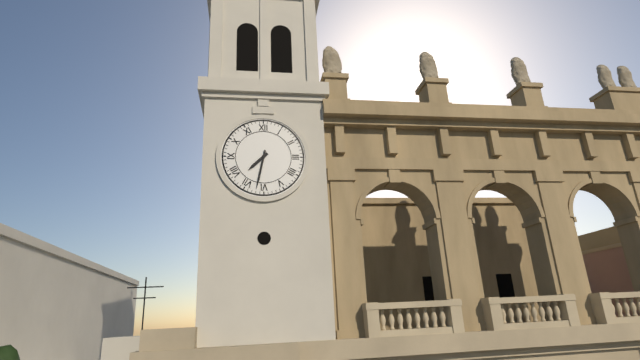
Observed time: 7:32
